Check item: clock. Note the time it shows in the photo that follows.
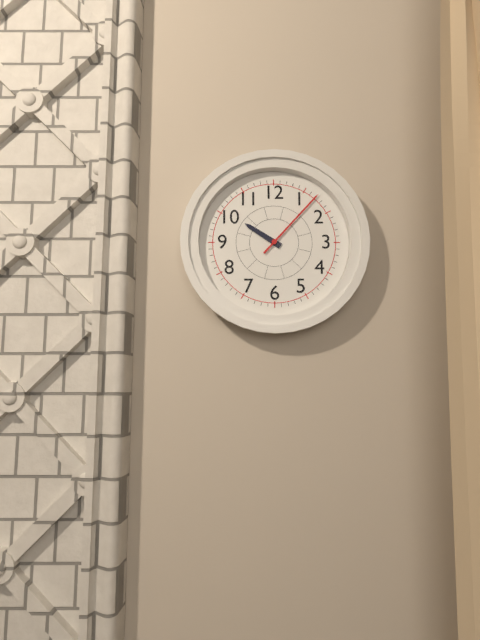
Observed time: 10:07
